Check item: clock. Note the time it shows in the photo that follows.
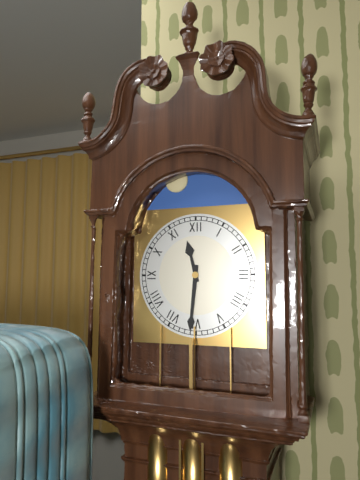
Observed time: 11:31
